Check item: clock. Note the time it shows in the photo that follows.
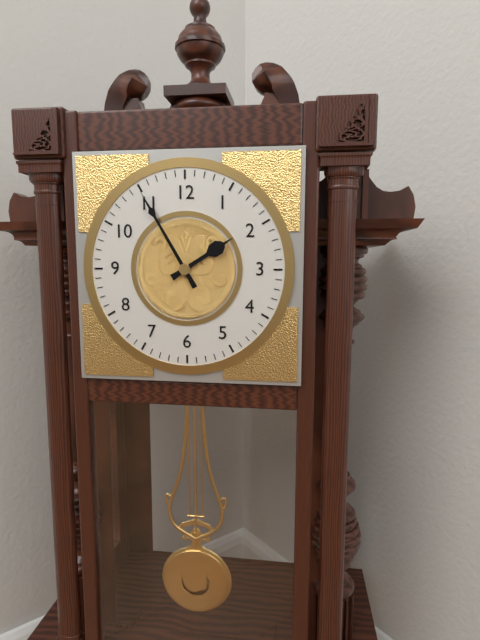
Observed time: 1:55
